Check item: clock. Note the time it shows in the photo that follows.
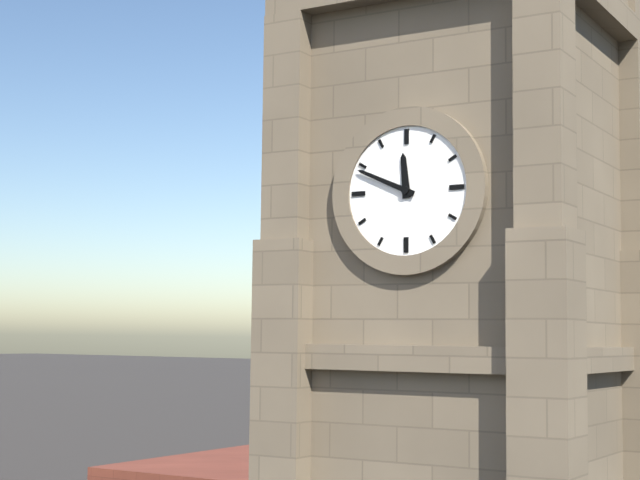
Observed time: 11:49
